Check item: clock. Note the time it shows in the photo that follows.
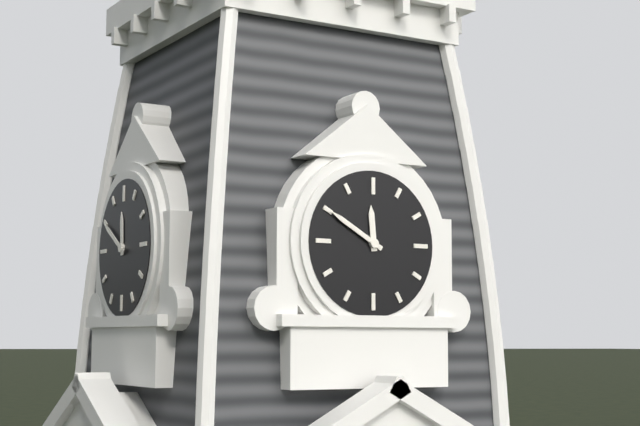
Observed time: 11:50
